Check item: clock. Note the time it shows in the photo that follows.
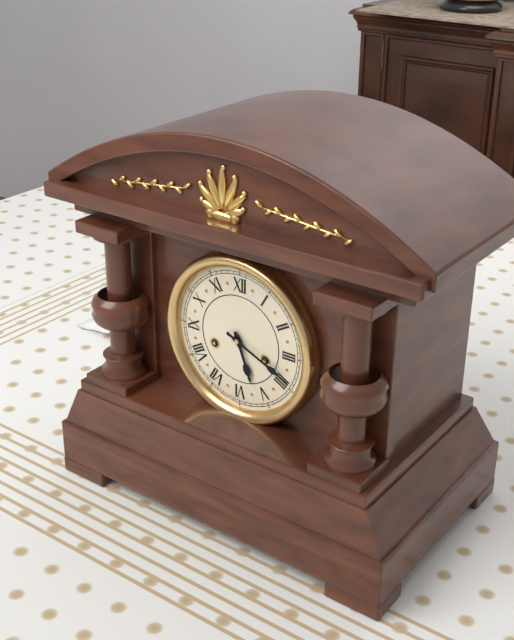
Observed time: 5:19
